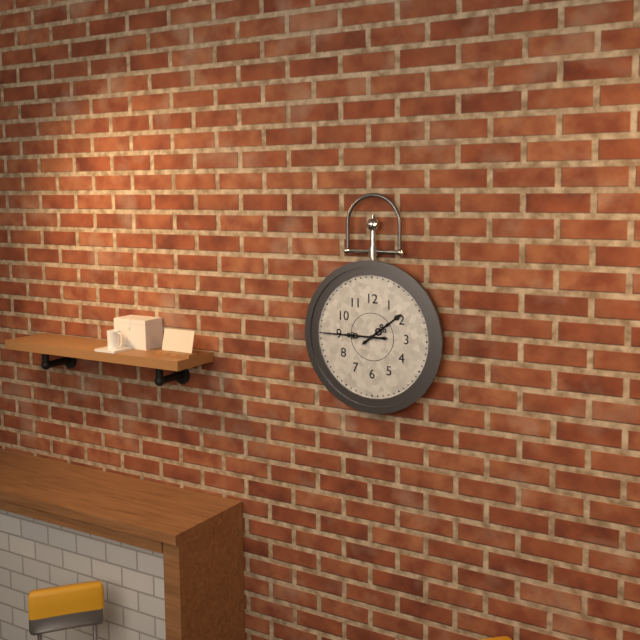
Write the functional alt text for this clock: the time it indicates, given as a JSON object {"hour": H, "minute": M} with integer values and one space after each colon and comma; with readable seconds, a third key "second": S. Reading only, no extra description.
{"hour": 1, "minute": 45}
